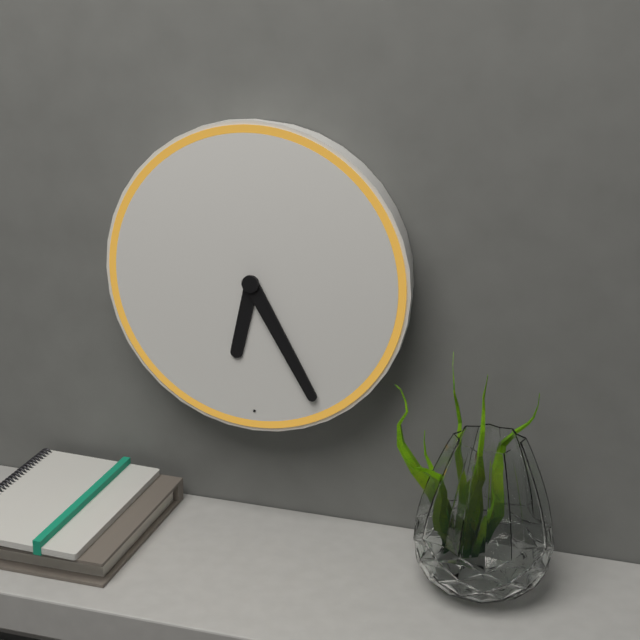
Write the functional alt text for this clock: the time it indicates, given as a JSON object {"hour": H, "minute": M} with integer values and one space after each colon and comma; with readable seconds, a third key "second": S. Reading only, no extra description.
{"hour": 6, "minute": 25}
